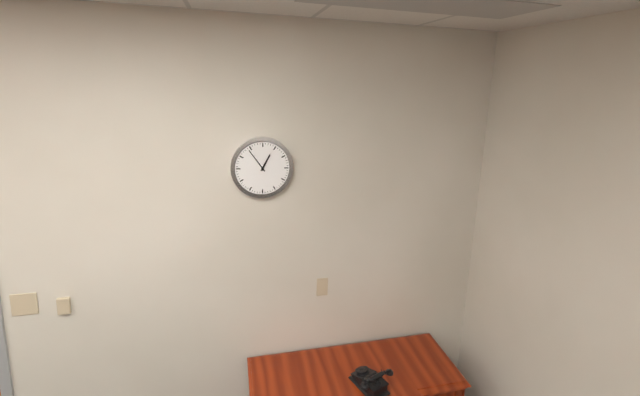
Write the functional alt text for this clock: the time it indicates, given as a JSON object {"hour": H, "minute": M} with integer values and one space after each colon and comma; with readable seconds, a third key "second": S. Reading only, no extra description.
{"hour": 12, "minute": 54}
